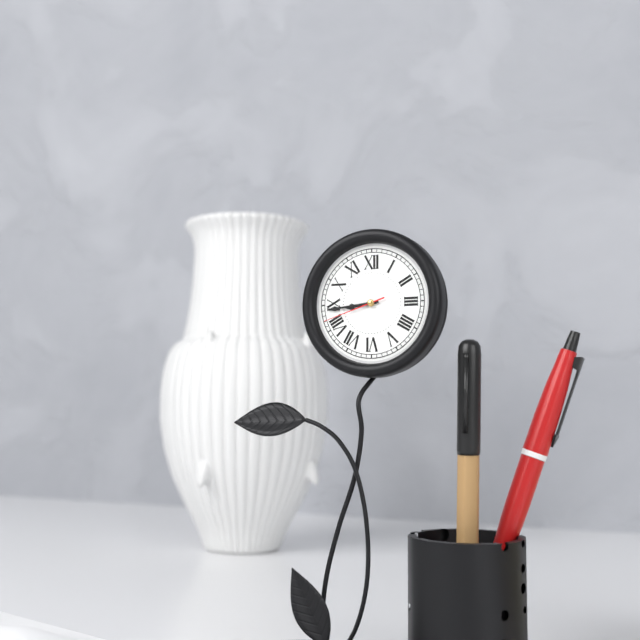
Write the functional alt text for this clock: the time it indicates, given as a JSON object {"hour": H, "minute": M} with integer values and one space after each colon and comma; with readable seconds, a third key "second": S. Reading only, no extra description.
{"hour": 8, "minute": 44, "second": 42}
